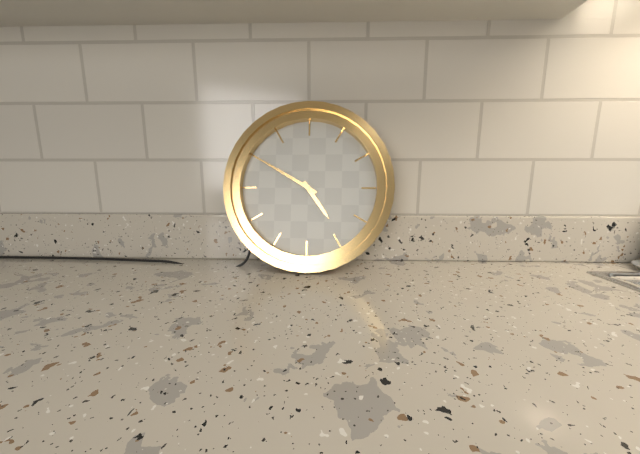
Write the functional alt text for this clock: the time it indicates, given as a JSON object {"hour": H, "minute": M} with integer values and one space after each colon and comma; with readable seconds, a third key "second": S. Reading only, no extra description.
{"hour": 4, "minute": 50}
